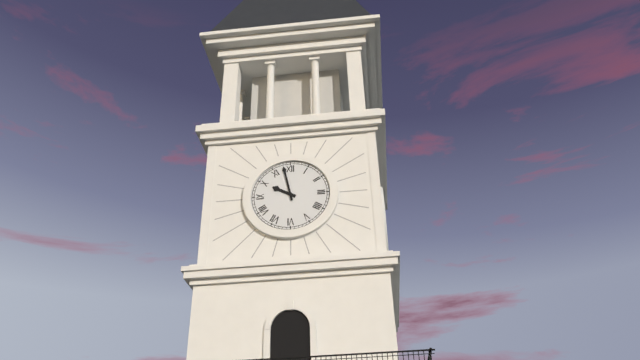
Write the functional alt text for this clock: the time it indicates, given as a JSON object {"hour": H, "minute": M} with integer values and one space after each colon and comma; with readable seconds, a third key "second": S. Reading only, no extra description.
{"hour": 9, "minute": 58}
